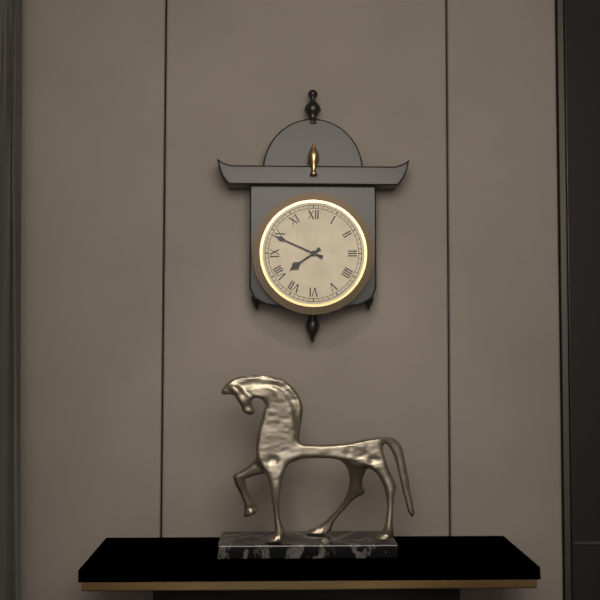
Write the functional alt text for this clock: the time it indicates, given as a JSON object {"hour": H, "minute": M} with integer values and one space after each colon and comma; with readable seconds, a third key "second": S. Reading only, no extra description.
{"hour": 7, "minute": 49}
